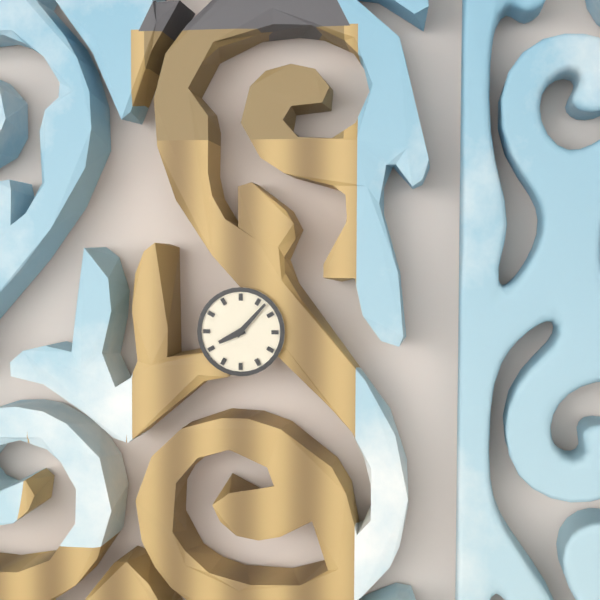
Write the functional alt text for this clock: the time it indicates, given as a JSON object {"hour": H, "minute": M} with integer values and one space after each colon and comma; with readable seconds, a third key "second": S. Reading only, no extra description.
{"hour": 8, "minute": 7}
